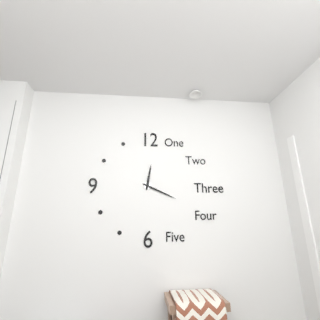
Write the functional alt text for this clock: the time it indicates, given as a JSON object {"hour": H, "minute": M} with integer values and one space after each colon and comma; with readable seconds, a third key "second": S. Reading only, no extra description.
{"hour": 12, "minute": 19}
